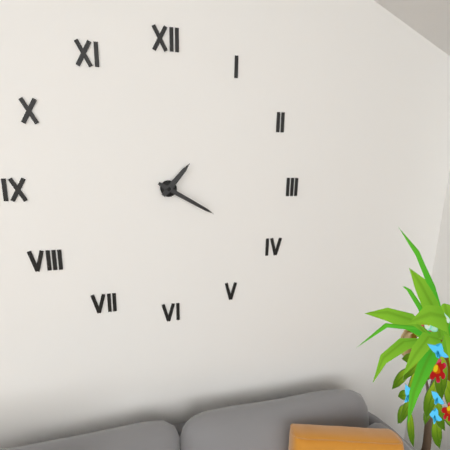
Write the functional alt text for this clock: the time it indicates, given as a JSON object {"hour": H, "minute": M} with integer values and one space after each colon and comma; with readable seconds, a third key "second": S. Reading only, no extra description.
{"hour": 1, "minute": 20}
